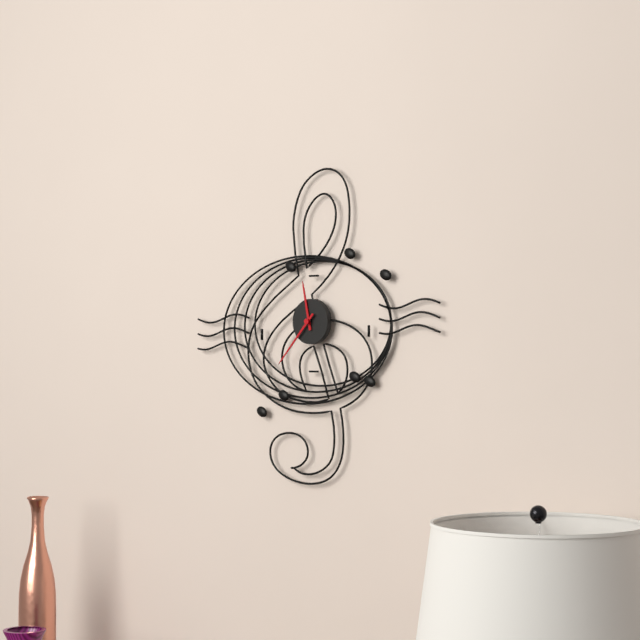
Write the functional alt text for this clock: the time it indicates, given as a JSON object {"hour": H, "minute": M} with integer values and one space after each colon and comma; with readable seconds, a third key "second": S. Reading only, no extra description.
{"hour": 11, "minute": 37}
